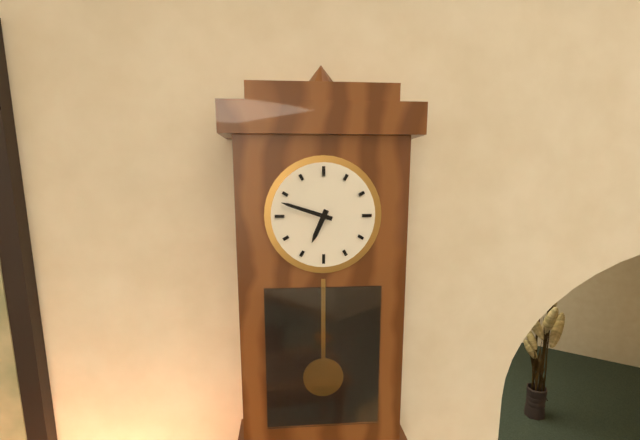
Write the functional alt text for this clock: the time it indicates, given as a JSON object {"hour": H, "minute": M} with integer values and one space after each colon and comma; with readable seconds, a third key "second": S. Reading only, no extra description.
{"hour": 6, "minute": 48}
